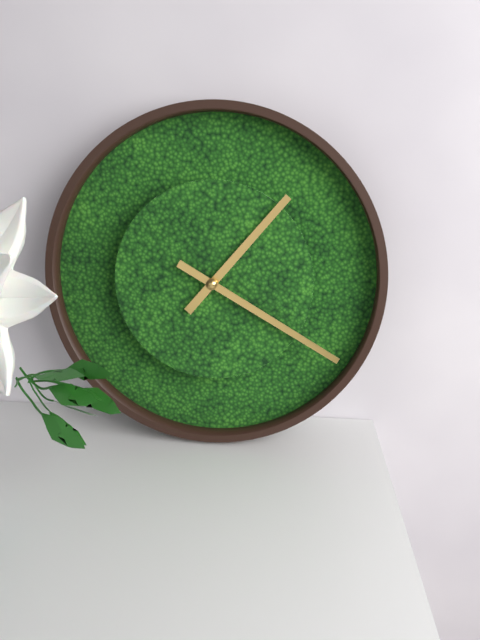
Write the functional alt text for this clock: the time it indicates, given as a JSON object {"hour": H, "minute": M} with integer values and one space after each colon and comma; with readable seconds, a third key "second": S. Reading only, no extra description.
{"hour": 1, "minute": 20}
